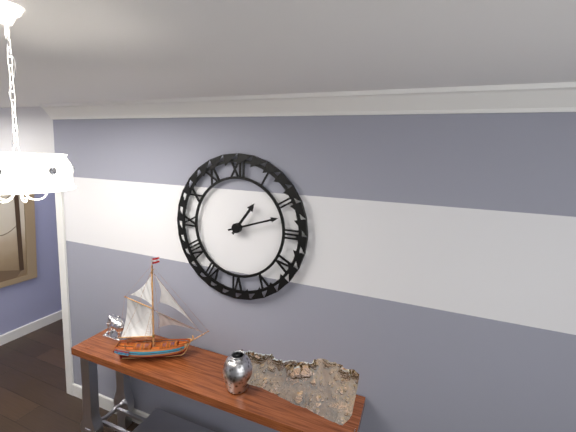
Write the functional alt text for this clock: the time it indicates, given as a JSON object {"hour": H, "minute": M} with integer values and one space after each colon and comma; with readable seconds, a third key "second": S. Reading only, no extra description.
{"hour": 1, "minute": 12}
